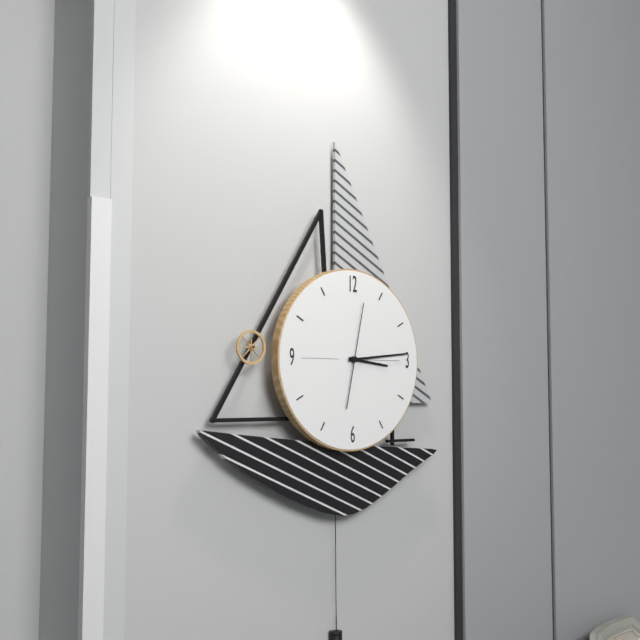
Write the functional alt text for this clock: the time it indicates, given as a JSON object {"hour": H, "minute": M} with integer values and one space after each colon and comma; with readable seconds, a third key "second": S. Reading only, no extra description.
{"hour": 3, "minute": 14, "second": 2}
